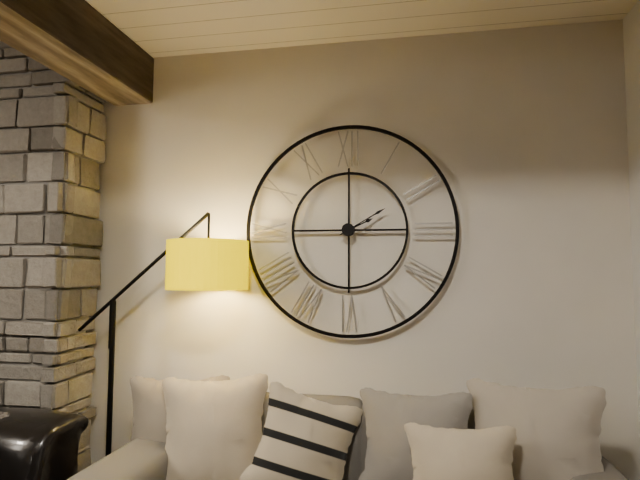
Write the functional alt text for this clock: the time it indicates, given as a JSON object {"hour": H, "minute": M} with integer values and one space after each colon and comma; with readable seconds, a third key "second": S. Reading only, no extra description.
{"hour": 2, "minute": 10}
